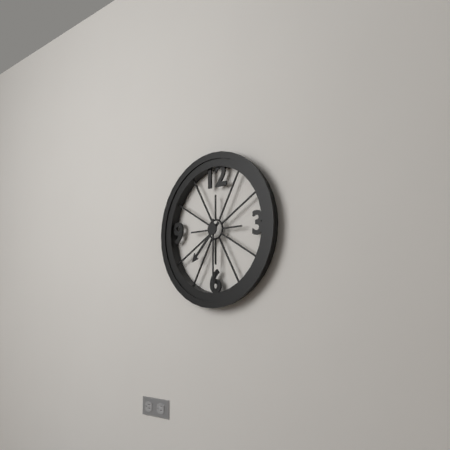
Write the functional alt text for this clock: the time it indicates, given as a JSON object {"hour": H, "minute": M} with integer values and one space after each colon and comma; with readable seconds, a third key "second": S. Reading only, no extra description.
{"hour": 7, "minute": 30}
